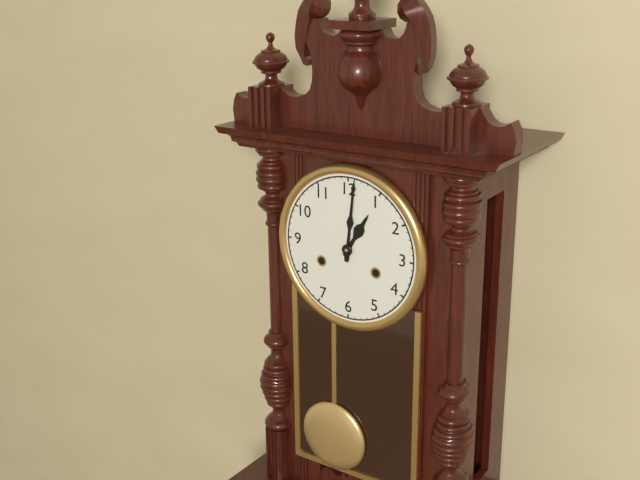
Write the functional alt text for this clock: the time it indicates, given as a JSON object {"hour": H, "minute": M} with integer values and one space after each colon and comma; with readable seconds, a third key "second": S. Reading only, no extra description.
{"hour": 1, "minute": 1}
